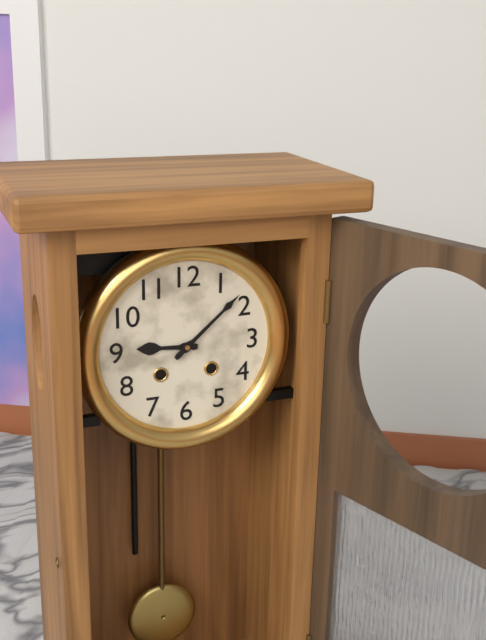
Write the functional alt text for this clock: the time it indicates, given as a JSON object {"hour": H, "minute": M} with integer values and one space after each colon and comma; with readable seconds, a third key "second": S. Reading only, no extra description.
{"hour": 9, "minute": 8}
